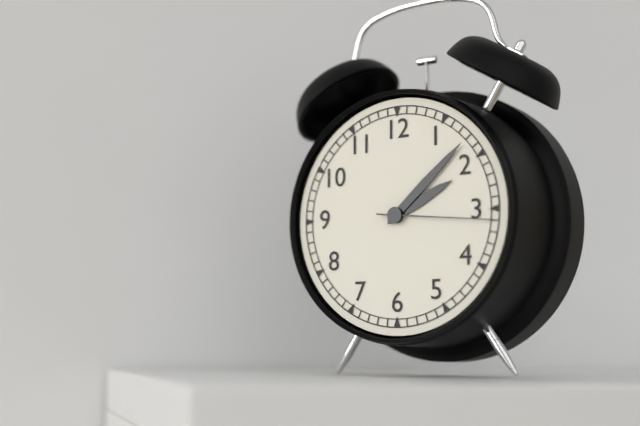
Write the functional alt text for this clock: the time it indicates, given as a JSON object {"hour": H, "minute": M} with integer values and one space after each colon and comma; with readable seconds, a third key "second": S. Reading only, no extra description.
{"hour": 2, "minute": 8, "second": 16}
